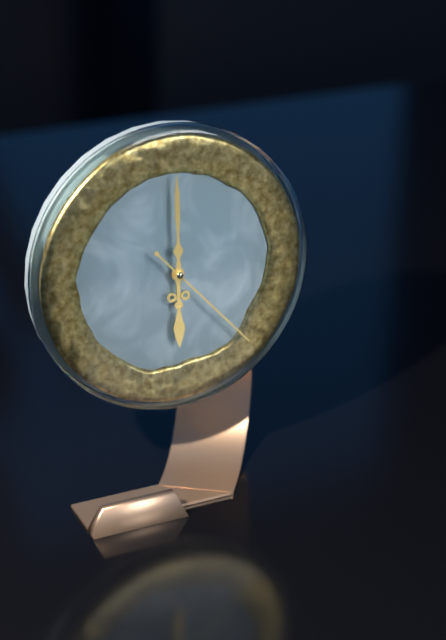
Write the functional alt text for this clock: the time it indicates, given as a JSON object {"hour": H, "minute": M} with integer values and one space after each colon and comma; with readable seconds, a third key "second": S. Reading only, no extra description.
{"hour": 6, "minute": 0, "second": 23}
